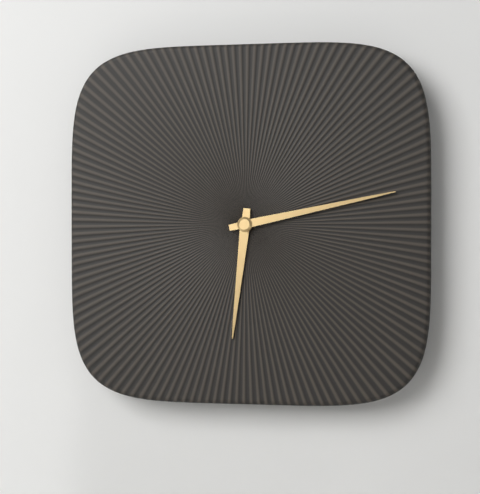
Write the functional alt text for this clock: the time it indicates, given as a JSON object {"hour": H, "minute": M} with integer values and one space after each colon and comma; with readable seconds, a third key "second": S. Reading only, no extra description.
{"hour": 6, "minute": 13}
